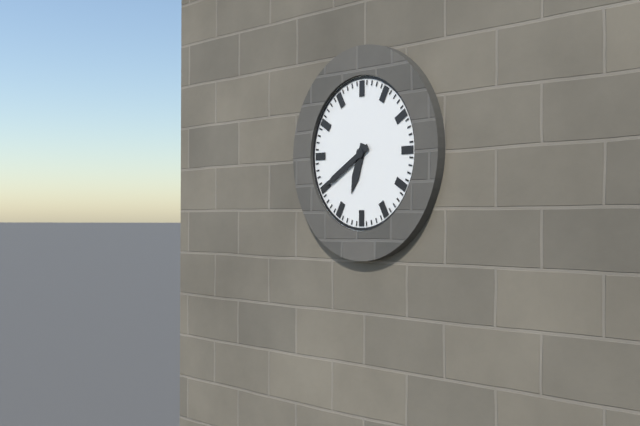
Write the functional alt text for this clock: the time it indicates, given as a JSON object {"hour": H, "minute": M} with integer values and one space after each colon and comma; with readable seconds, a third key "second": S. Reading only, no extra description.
{"hour": 6, "minute": 40}
